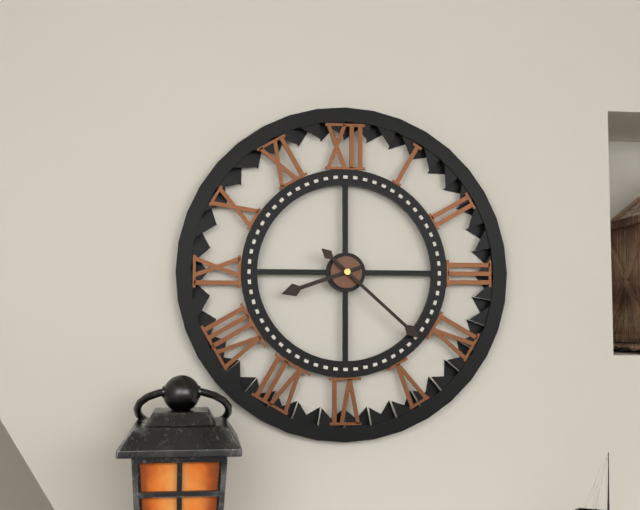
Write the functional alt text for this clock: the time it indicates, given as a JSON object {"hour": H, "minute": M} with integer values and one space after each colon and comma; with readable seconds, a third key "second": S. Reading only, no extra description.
{"hour": 8, "minute": 22}
